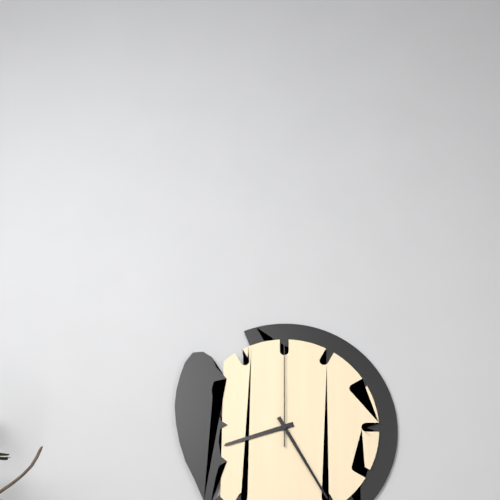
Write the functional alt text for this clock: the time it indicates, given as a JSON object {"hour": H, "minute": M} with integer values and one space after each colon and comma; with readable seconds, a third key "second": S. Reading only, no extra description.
{"hour": 8, "minute": 25, "second": 0}
